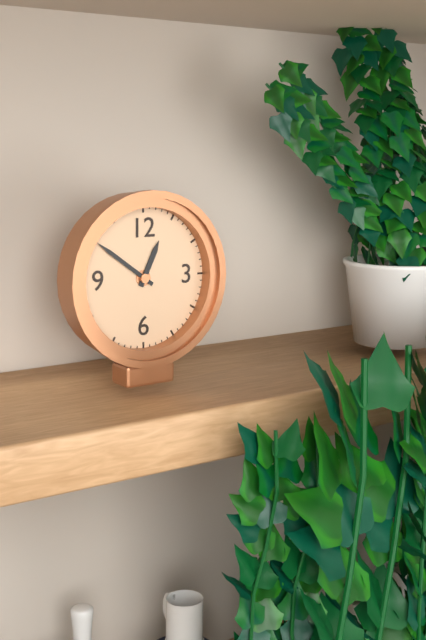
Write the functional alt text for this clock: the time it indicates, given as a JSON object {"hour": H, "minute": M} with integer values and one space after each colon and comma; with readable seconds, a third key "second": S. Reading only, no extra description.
{"hour": 12, "minute": 51}
